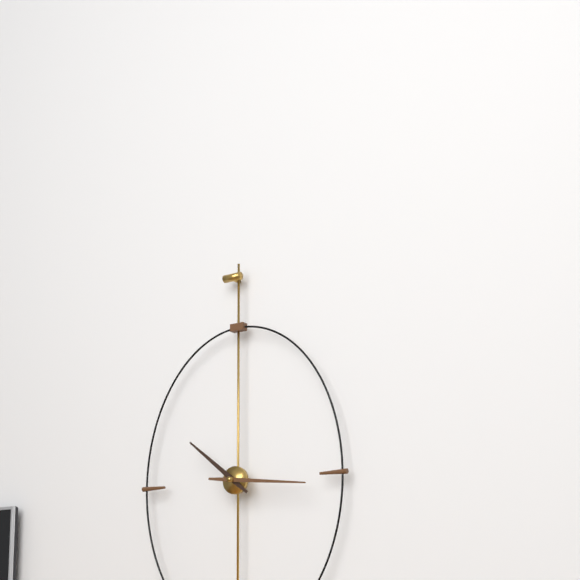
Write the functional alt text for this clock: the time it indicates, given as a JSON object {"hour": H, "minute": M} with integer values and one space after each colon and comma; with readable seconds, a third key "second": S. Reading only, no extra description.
{"hour": 10, "minute": 16}
